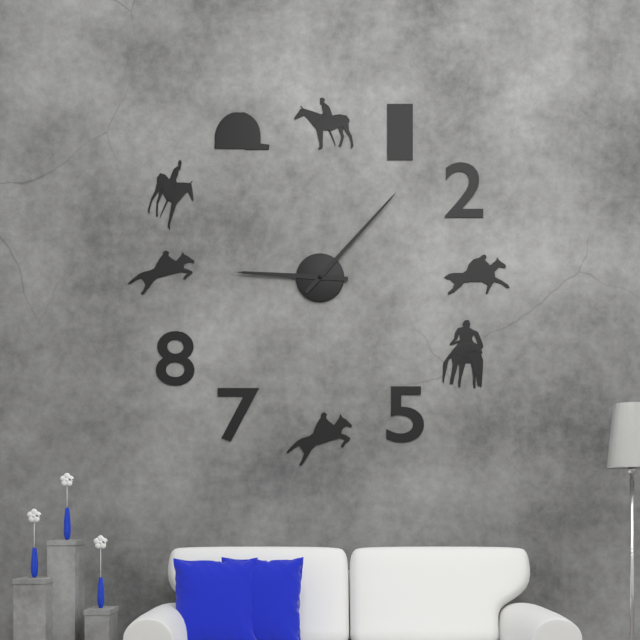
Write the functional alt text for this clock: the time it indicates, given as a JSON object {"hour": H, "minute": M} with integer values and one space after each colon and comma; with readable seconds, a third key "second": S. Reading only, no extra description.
{"hour": 9, "minute": 7}
